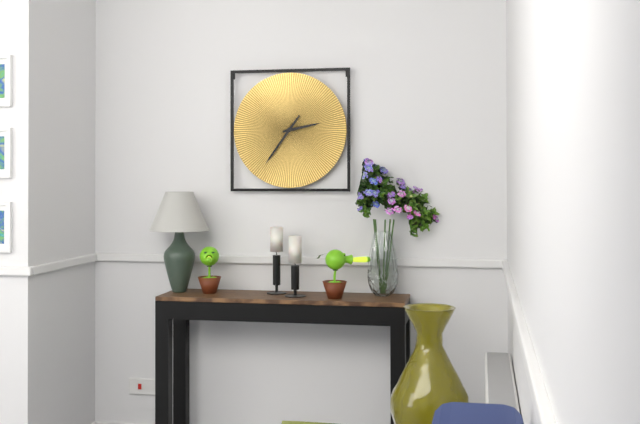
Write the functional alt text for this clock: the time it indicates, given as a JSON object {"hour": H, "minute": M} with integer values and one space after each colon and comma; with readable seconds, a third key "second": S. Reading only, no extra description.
{"hour": 2, "minute": 36}
